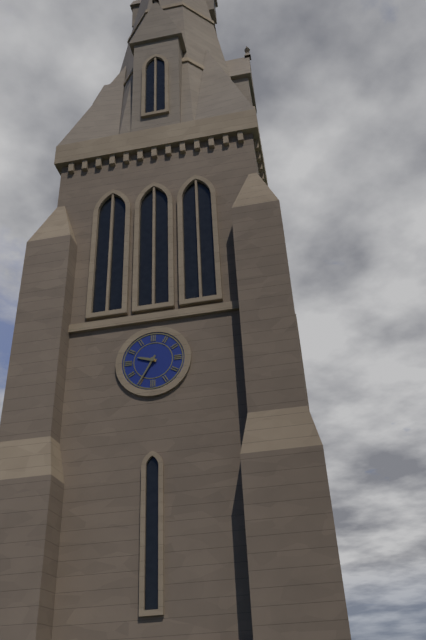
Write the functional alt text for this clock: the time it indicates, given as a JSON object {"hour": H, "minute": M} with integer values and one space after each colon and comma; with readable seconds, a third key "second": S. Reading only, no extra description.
{"hour": 9, "minute": 35}
